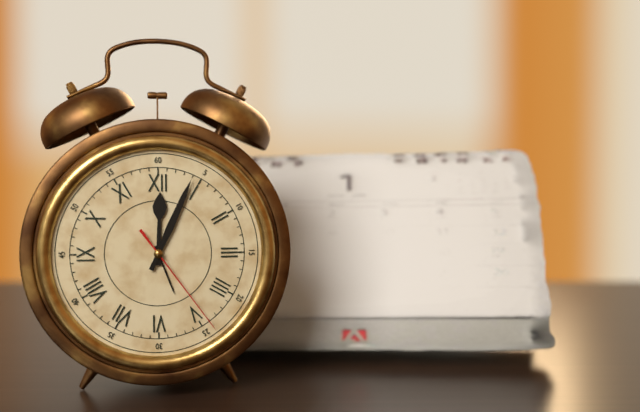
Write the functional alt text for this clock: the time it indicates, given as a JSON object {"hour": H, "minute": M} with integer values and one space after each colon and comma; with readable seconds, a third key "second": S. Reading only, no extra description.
{"hour": 12, "minute": 4, "second": 24}
